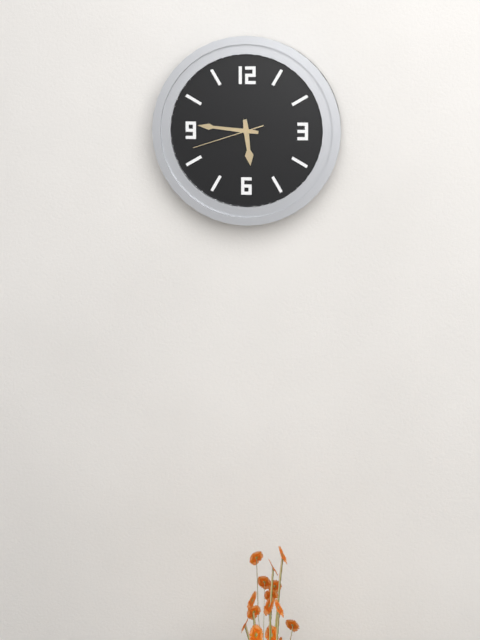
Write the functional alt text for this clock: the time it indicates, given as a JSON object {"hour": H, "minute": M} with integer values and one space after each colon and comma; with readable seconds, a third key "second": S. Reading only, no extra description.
{"hour": 5, "minute": 46, "second": 42}
